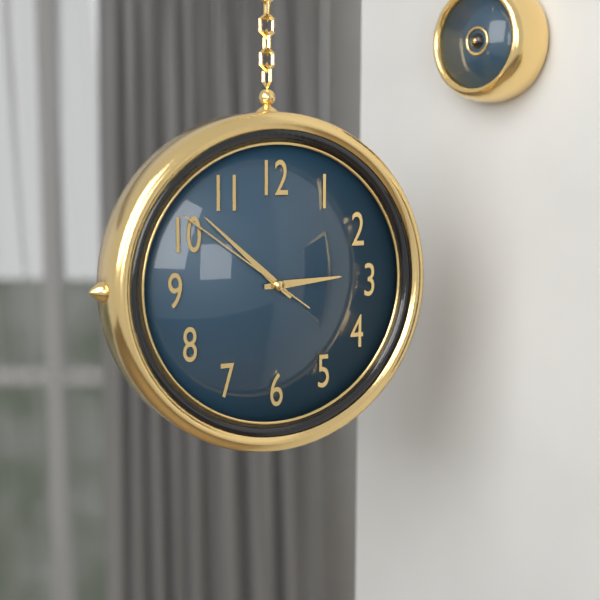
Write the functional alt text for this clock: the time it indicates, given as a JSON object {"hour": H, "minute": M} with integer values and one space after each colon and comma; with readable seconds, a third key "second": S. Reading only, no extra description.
{"hour": 2, "minute": 52, "second": 51}
